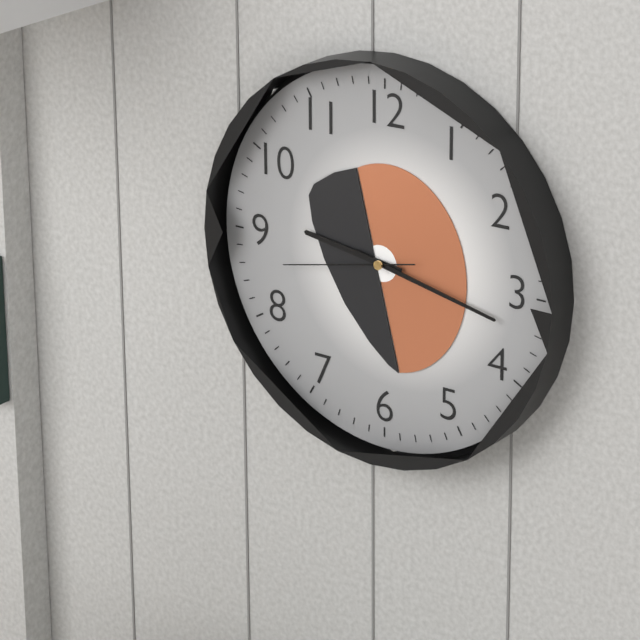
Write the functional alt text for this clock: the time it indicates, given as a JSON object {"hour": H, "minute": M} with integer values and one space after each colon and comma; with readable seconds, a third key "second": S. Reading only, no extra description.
{"hour": 9, "minute": 17, "second": 43}
